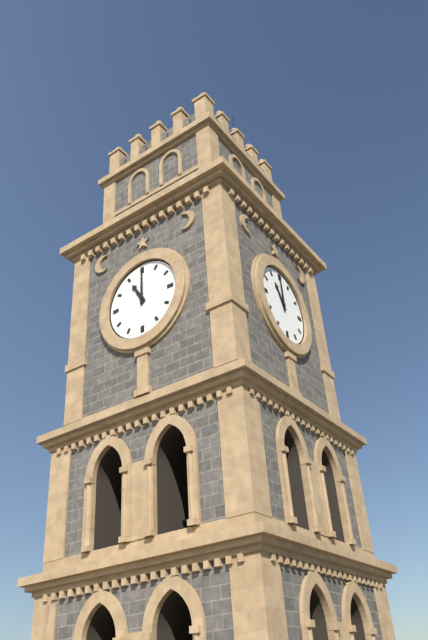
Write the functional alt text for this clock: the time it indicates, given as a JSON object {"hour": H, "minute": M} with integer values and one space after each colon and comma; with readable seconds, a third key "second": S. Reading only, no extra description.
{"hour": 11, "minute": 0}
